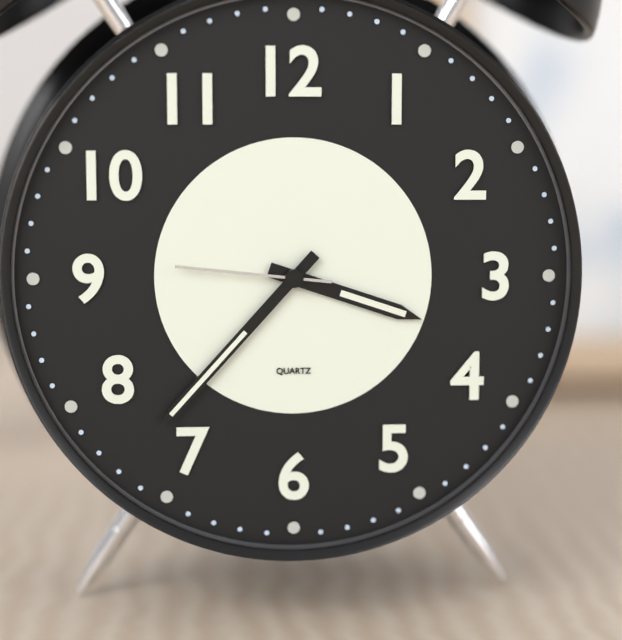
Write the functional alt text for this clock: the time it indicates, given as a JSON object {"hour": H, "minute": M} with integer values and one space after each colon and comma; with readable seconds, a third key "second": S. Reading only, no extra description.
{"hour": 3, "minute": 37, "second": 46}
